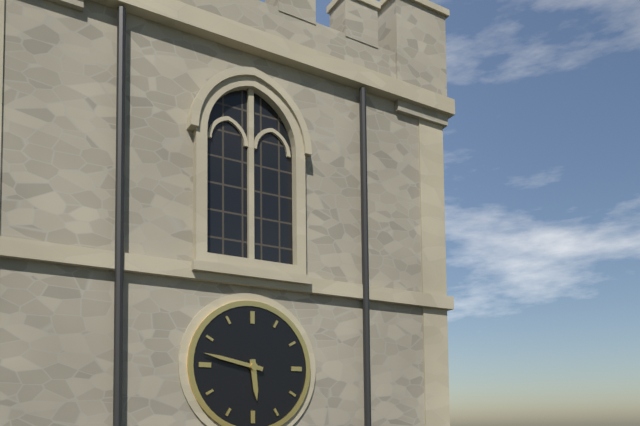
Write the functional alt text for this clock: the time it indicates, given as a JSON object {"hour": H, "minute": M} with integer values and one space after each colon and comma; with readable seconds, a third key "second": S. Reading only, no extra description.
{"hour": 5, "minute": 47}
